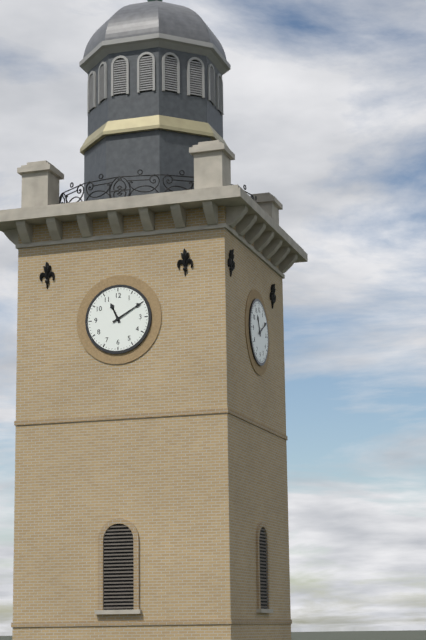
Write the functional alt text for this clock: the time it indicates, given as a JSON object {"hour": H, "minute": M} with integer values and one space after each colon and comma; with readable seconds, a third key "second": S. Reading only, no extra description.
{"hour": 11, "minute": 10}
